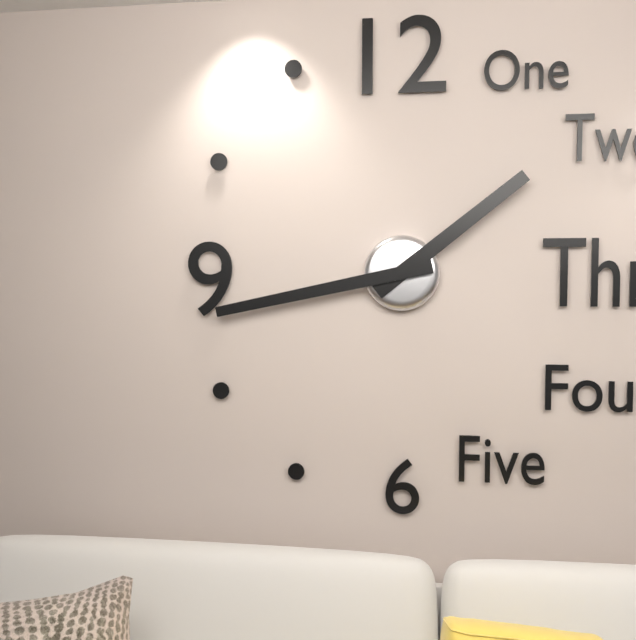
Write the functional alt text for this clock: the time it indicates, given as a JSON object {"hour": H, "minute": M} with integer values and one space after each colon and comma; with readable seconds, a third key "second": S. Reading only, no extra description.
{"hour": 1, "minute": 43}
